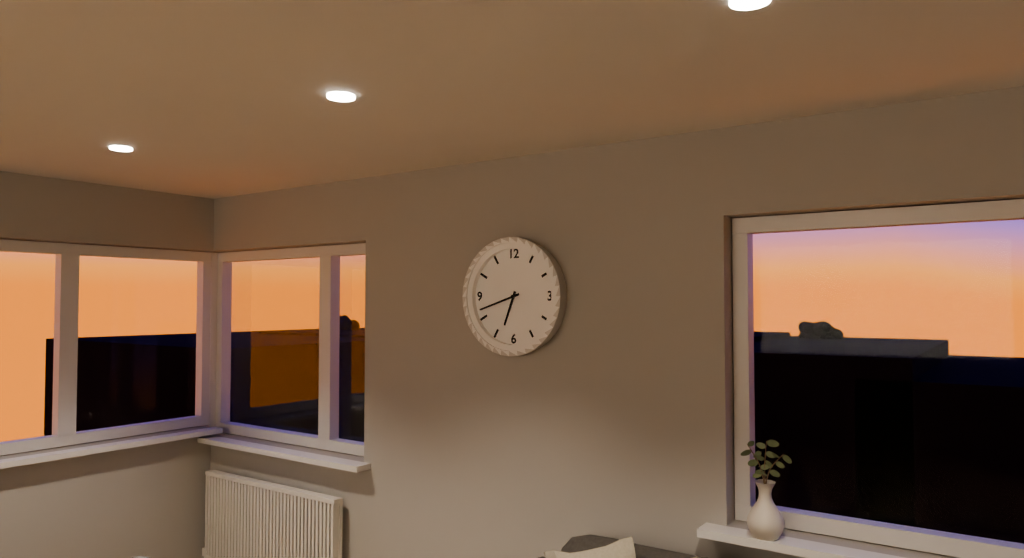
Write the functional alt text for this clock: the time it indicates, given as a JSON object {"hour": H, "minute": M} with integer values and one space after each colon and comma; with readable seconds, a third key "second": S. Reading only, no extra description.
{"hour": 6, "minute": 42}
